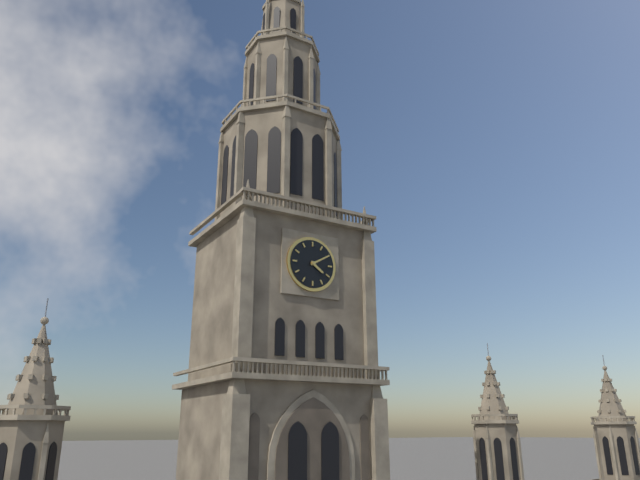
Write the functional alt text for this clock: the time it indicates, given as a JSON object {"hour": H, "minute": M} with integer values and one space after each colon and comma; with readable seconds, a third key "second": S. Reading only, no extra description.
{"hour": 4, "minute": 10}
